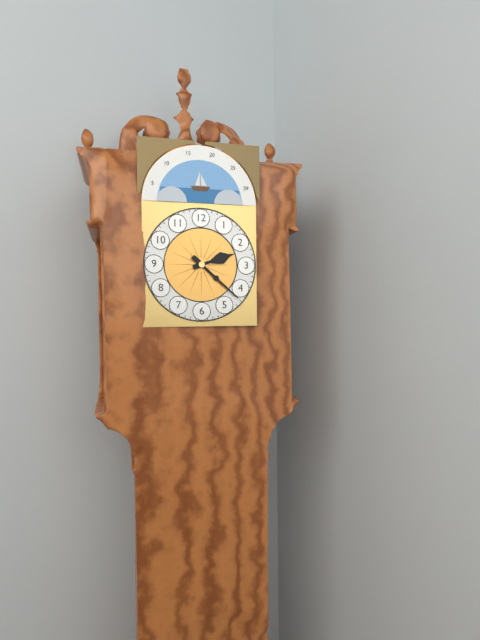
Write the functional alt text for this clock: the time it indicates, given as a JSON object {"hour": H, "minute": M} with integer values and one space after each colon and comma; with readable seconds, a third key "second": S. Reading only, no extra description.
{"hour": 2, "minute": 22}
